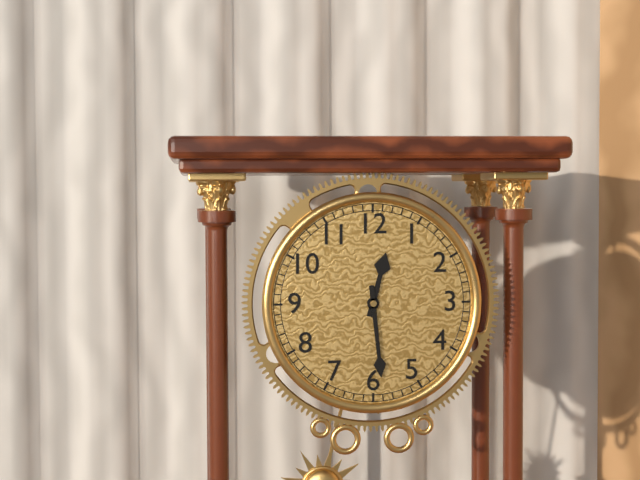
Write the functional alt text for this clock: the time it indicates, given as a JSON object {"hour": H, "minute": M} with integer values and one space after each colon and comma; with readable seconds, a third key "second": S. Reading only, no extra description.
{"hour": 12, "minute": 29}
